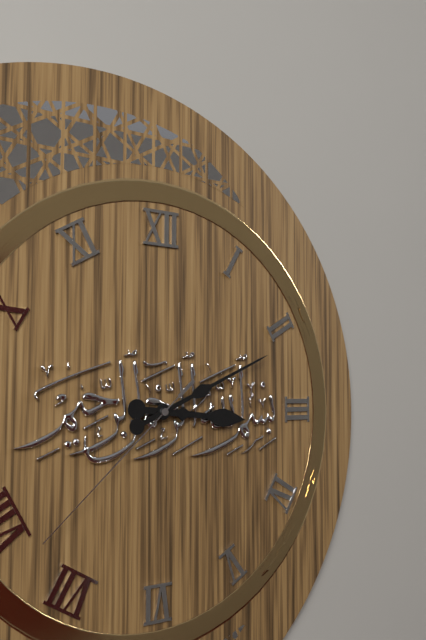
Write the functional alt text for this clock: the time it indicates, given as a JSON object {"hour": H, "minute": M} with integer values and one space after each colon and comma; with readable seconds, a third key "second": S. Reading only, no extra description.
{"hour": 3, "minute": 11, "second": 38}
